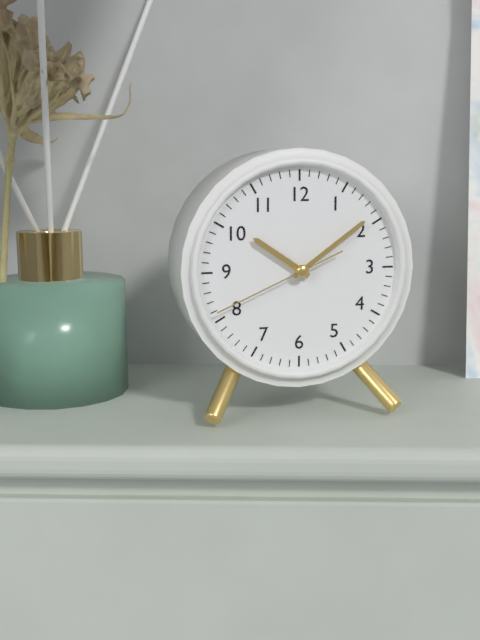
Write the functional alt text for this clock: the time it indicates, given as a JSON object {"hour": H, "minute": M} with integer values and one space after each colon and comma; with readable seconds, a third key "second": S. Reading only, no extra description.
{"hour": 10, "minute": 9, "second": 41}
